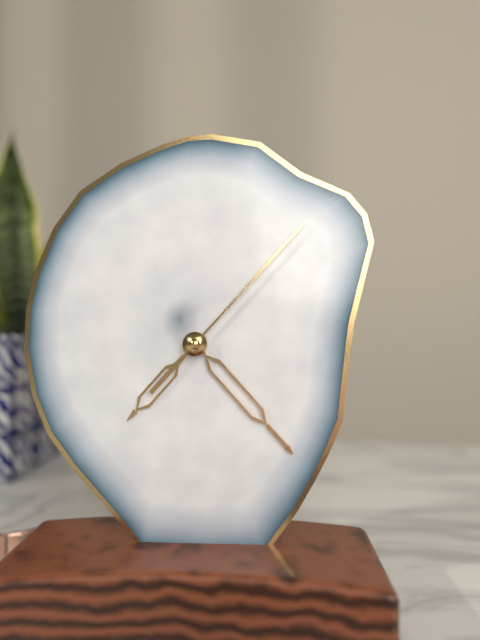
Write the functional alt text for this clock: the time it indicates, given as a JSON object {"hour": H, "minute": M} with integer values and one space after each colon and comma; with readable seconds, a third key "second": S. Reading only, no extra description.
{"hour": 7, "minute": 23, "second": 7}
